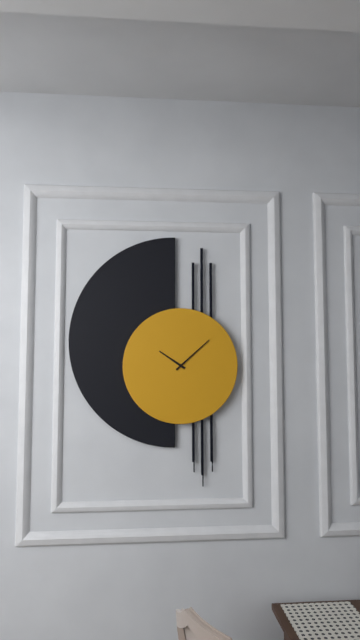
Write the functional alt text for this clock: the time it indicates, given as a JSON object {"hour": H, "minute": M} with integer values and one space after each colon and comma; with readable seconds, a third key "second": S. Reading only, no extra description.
{"hour": 10, "minute": 8}
